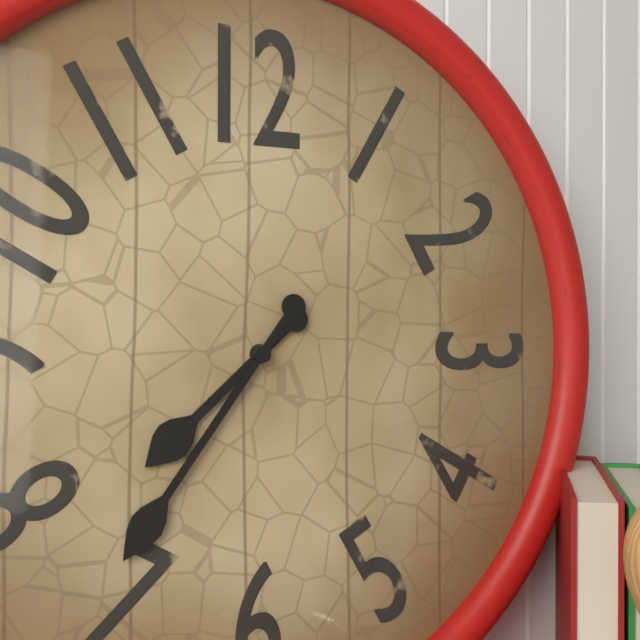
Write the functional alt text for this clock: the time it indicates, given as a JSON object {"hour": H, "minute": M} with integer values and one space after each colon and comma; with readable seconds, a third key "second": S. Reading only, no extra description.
{"hour": 7, "minute": 36}
